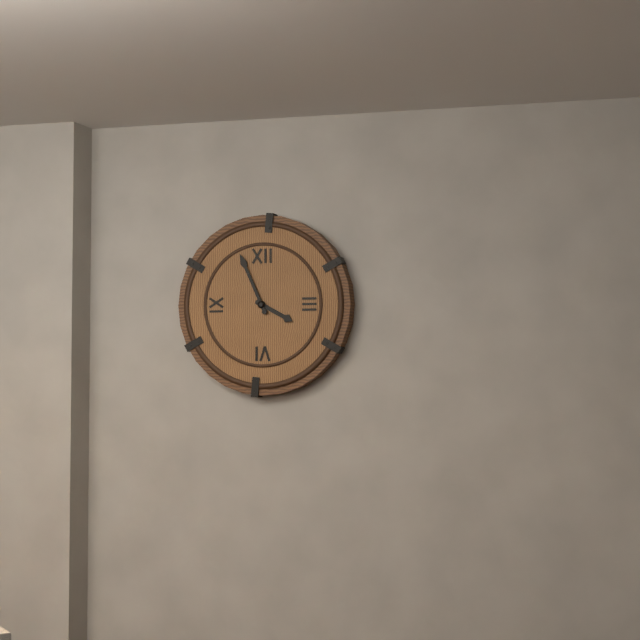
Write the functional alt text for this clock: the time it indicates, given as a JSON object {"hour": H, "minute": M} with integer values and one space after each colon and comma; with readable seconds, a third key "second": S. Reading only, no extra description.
{"hour": 3, "minute": 56}
